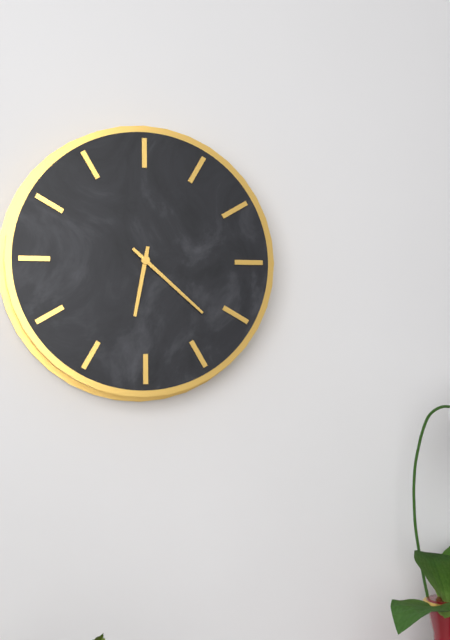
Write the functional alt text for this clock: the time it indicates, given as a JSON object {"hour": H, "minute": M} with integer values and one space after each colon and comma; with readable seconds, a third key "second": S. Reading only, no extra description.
{"hour": 6, "minute": 22}
